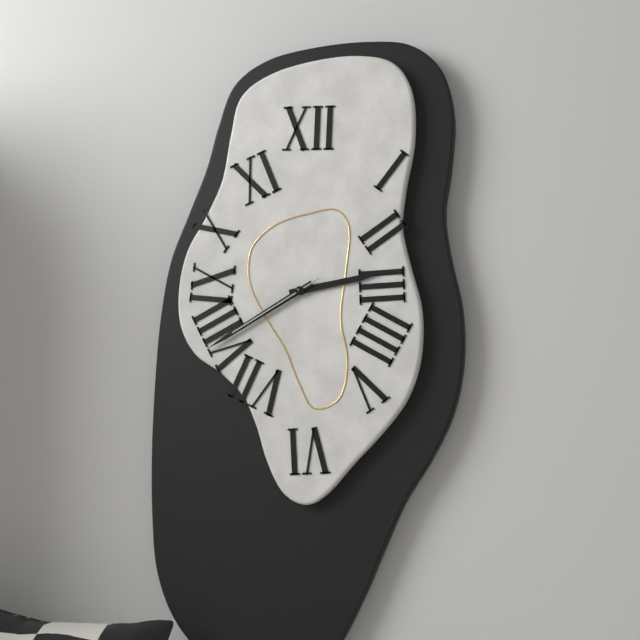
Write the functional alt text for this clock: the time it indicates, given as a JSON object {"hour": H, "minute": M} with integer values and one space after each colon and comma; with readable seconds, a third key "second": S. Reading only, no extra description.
{"hour": 2, "minute": 40, "second": 40}
